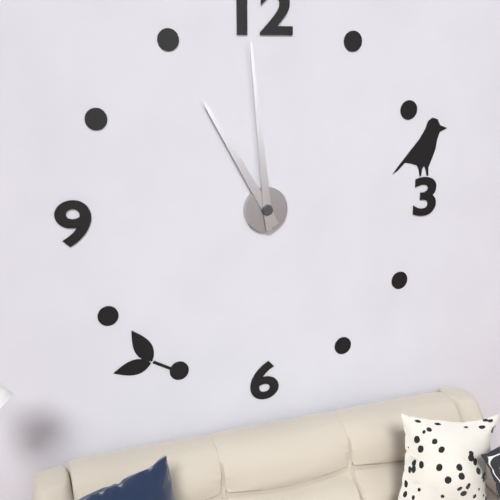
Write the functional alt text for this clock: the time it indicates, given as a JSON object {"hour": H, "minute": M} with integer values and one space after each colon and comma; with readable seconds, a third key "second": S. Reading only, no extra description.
{"hour": 10, "minute": 59}
